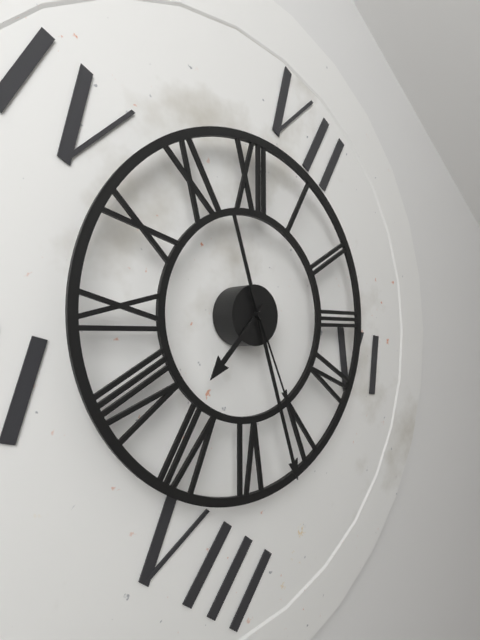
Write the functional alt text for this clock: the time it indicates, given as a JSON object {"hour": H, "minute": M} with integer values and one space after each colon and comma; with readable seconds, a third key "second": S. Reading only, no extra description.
{"hour": 7, "minute": 27, "second": 26}
